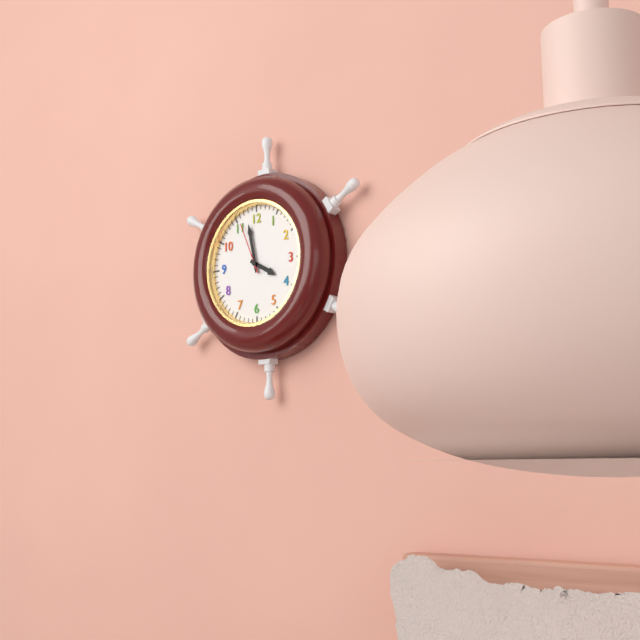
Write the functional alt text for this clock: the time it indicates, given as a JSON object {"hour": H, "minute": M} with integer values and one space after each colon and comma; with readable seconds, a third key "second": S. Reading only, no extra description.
{"hour": 3, "minute": 58, "second": 56}
